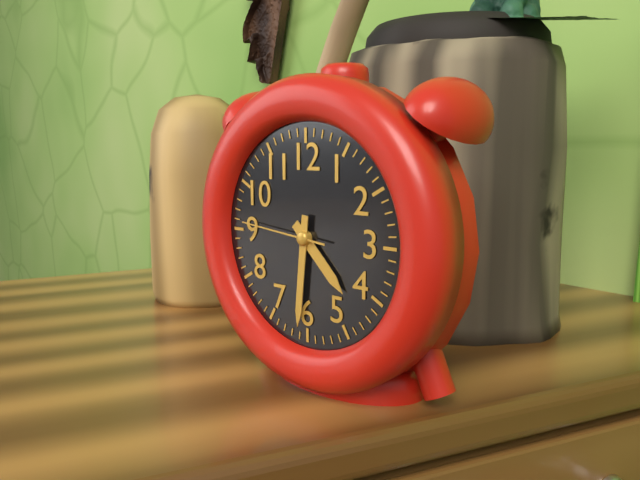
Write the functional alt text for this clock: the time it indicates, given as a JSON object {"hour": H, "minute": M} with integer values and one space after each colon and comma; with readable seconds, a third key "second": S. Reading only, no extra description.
{"hour": 4, "minute": 31, "second": 46}
